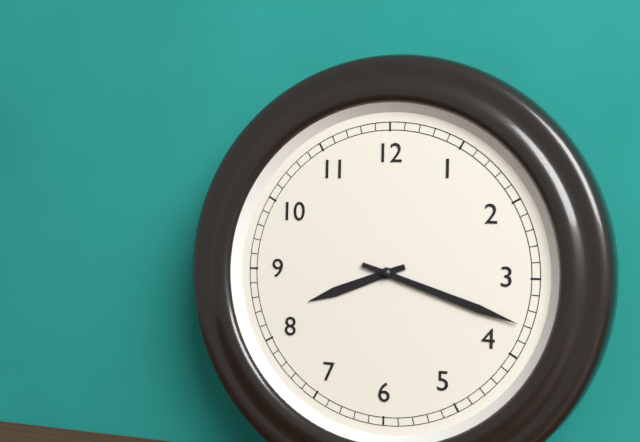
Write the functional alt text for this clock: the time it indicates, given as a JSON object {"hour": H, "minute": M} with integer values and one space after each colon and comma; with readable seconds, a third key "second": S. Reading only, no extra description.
{"hour": 8, "minute": 18}
